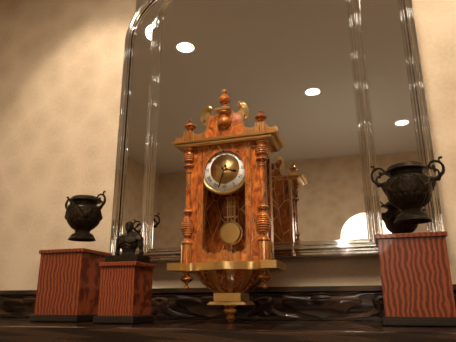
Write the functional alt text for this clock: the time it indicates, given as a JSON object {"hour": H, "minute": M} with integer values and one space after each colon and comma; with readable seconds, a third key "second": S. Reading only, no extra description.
{"hour": 3, "minute": 33}
